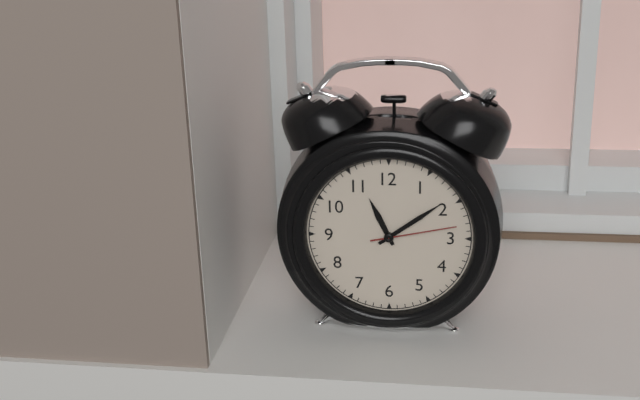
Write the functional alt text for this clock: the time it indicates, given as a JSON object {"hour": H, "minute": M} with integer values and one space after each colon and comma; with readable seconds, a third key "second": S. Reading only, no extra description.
{"hour": 11, "minute": 9, "second": 13}
